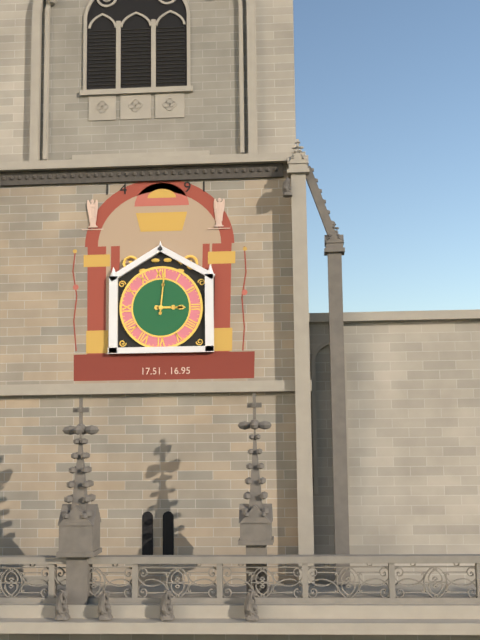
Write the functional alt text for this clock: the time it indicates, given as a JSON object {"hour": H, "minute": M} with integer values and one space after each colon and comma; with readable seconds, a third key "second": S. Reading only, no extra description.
{"hour": 3, "minute": 1}
